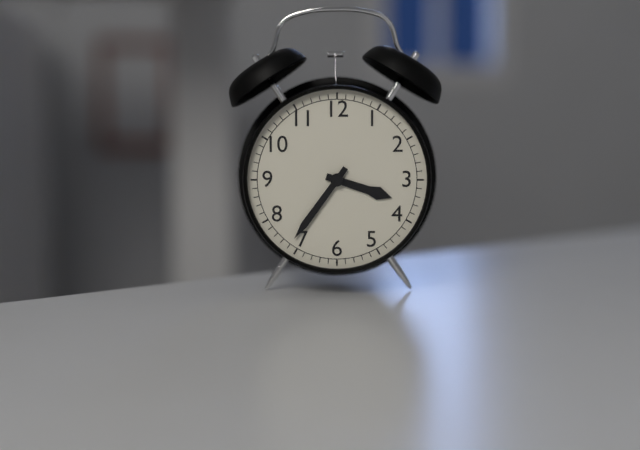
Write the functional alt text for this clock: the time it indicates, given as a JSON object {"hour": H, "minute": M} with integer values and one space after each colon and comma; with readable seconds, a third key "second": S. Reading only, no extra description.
{"hour": 3, "minute": 36}
